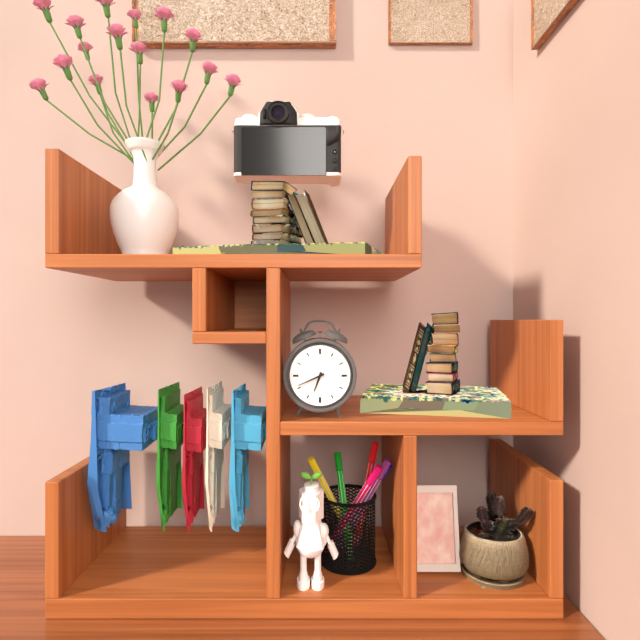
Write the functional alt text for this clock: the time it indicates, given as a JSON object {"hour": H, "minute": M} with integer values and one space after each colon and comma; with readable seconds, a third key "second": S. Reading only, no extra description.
{"hour": 6, "minute": 41}
